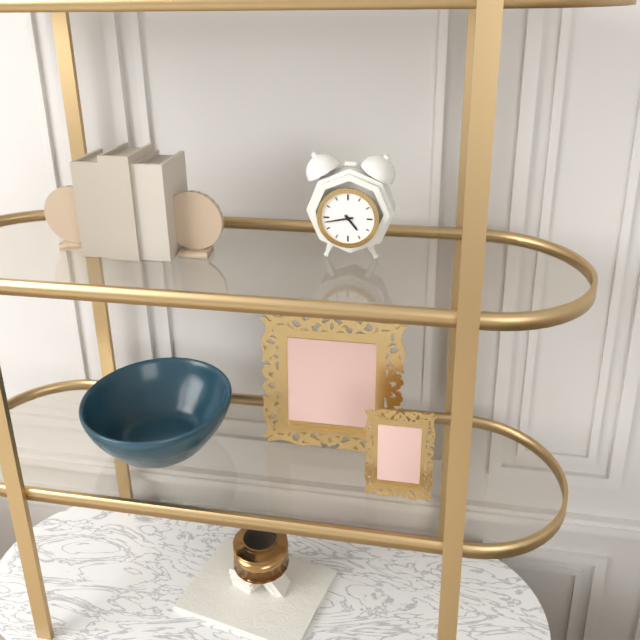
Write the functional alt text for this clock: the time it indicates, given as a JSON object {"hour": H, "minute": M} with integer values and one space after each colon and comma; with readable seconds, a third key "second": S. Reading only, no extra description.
{"hour": 4, "minute": 43}
